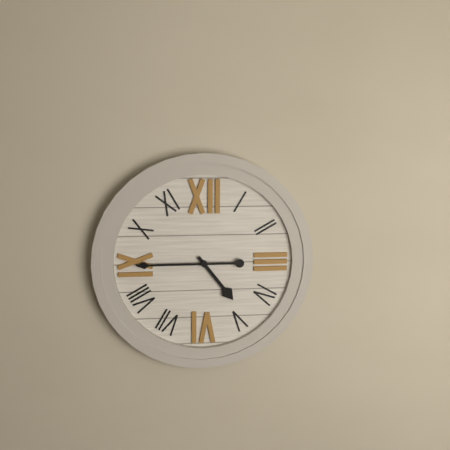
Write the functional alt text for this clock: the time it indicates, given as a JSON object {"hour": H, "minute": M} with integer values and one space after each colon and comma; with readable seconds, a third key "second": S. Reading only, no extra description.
{"hour": 4, "minute": 45}
